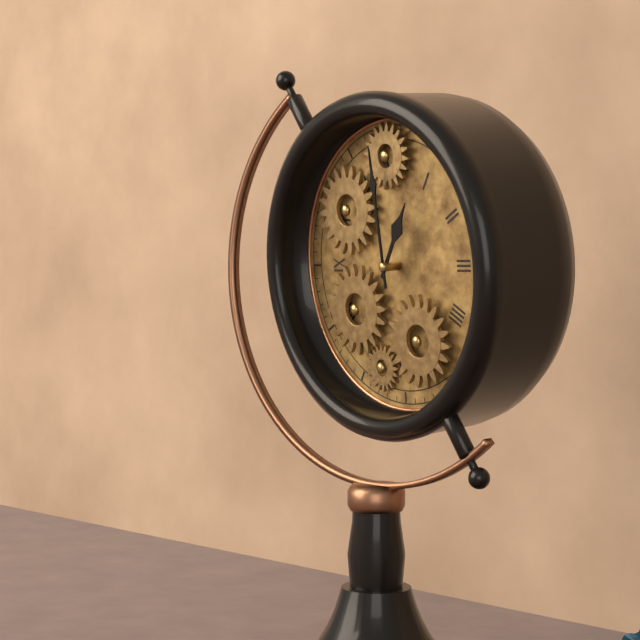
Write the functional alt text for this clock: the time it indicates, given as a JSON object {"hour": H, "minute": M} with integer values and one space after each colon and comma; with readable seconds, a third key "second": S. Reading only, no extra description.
{"hour": 12, "minute": 59}
